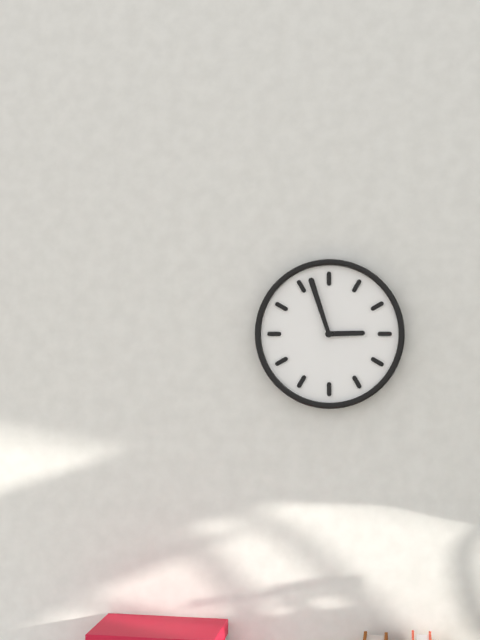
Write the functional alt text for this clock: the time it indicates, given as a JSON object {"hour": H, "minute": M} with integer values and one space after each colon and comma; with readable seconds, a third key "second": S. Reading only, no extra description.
{"hour": 2, "minute": 57}
